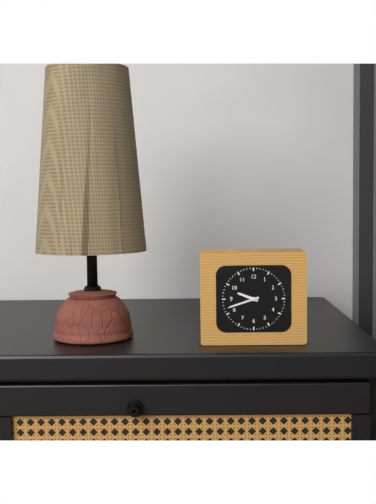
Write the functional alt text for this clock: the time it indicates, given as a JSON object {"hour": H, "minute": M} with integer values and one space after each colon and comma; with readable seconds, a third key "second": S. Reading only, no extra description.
{"hour": 9, "minute": 42}
